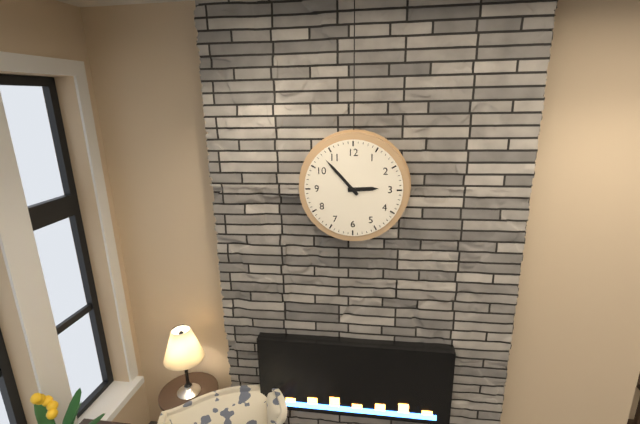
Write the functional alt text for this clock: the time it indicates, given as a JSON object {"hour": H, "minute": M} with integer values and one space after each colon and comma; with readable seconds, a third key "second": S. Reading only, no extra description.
{"hour": 2, "minute": 53}
